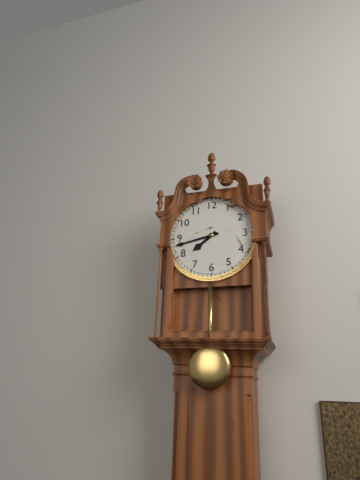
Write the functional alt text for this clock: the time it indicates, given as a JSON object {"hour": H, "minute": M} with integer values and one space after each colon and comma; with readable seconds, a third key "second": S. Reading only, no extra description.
{"hour": 7, "minute": 43}
